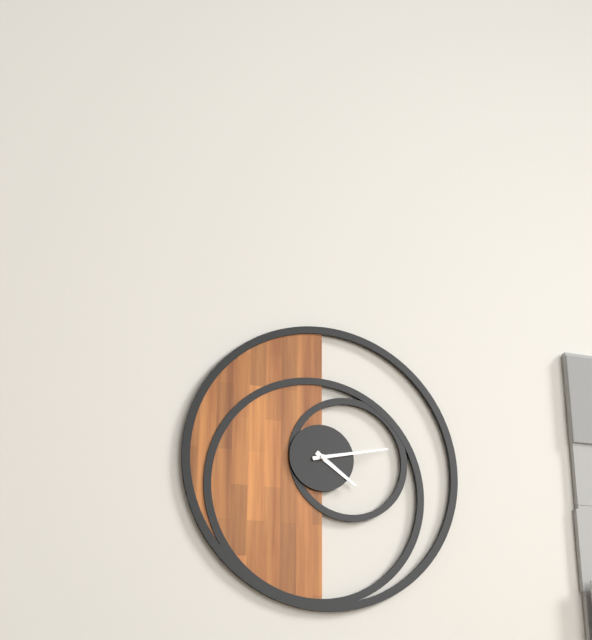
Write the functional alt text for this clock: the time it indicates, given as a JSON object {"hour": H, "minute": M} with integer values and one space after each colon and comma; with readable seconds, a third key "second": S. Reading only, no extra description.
{"hour": 4, "minute": 13}
